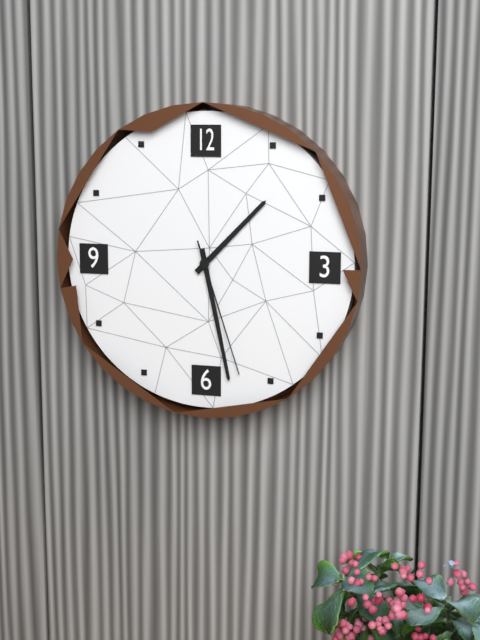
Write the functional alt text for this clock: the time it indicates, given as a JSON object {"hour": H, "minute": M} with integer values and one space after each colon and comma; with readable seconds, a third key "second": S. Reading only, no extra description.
{"hour": 1, "minute": 28, "second": 27}
